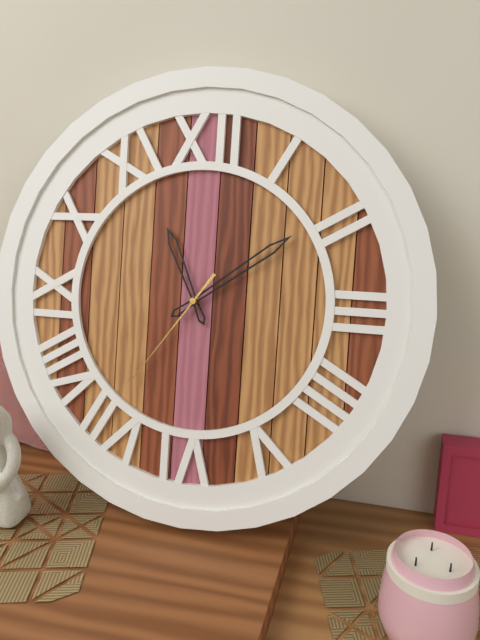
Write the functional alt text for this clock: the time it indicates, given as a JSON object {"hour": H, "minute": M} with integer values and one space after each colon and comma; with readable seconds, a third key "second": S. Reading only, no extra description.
{"hour": 11, "minute": 9, "second": 36}
